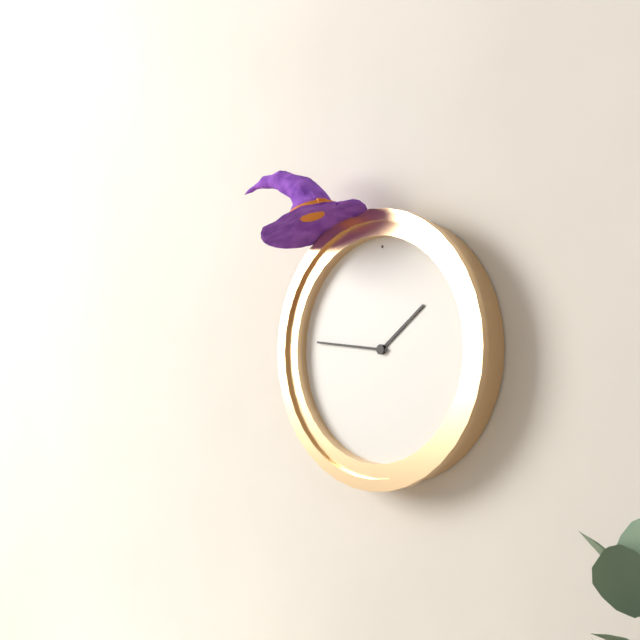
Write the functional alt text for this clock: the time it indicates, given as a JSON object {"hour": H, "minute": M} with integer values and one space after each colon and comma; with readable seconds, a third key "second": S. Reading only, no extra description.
{"hour": 1, "minute": 46}
